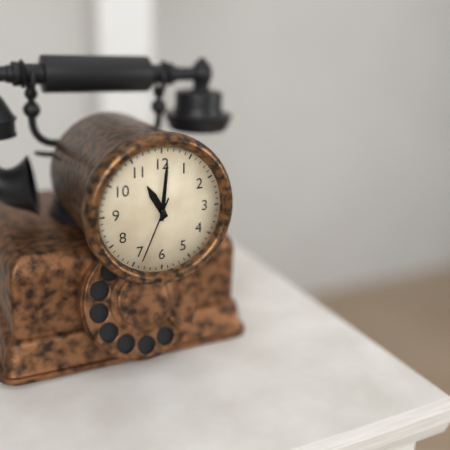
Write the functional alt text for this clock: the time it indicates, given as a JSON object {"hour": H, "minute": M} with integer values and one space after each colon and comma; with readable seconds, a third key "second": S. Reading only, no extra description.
{"hour": 11, "minute": 1, "second": 34}
